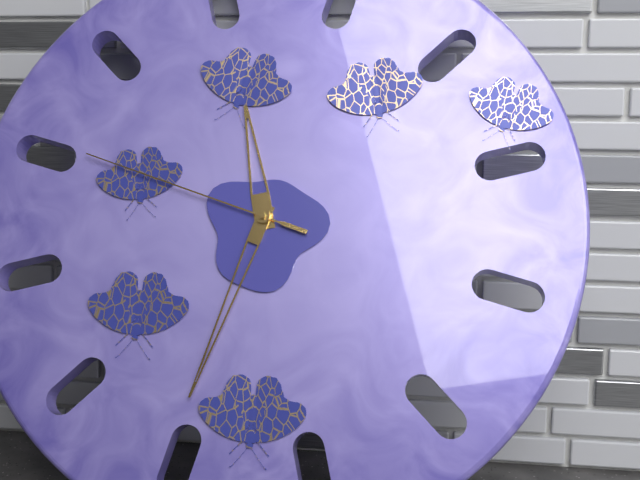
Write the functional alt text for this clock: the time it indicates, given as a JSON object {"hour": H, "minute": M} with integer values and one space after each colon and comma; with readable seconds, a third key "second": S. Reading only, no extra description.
{"hour": 11, "minute": 33, "second": 48}
